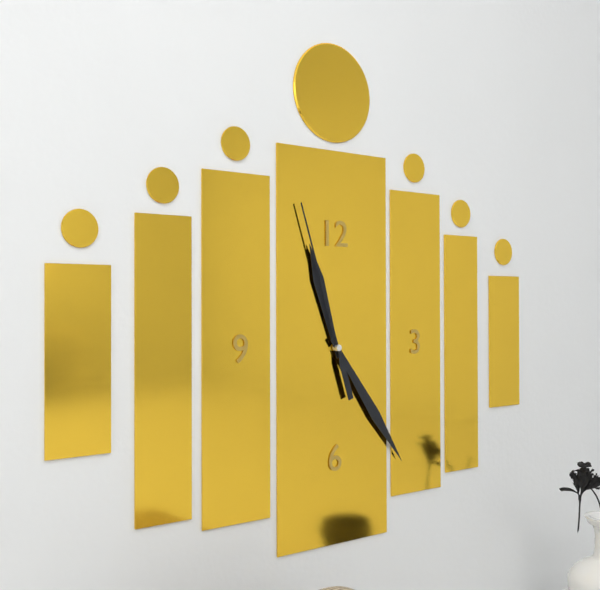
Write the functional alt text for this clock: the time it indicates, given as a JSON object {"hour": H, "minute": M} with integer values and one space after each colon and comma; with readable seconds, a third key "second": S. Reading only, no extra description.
{"hour": 11, "minute": 24, "second": 57}
